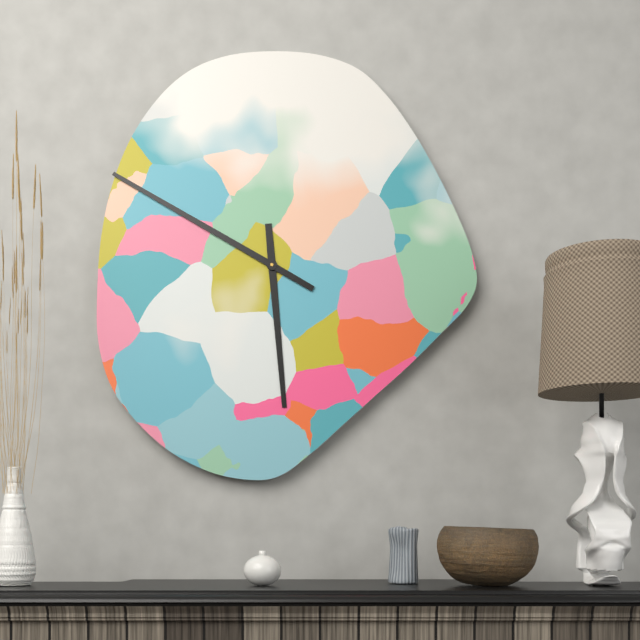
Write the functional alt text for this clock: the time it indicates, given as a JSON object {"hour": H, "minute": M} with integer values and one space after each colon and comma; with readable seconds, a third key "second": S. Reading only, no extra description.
{"hour": 5, "minute": 50}
